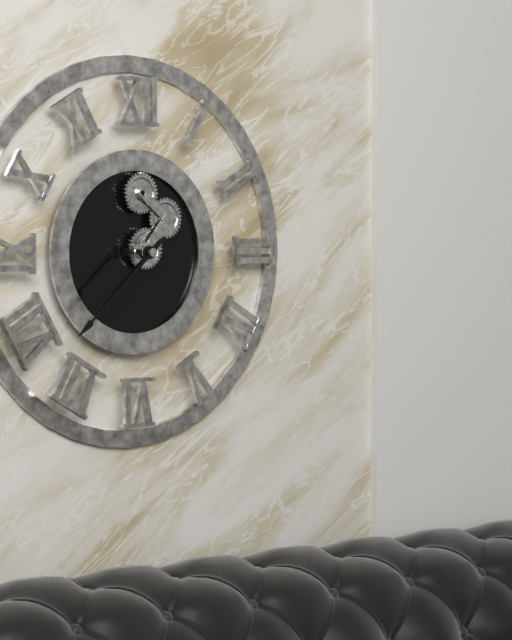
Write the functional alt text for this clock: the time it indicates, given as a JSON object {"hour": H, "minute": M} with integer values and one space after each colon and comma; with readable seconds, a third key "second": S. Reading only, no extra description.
{"hour": 7, "minute": 38}
